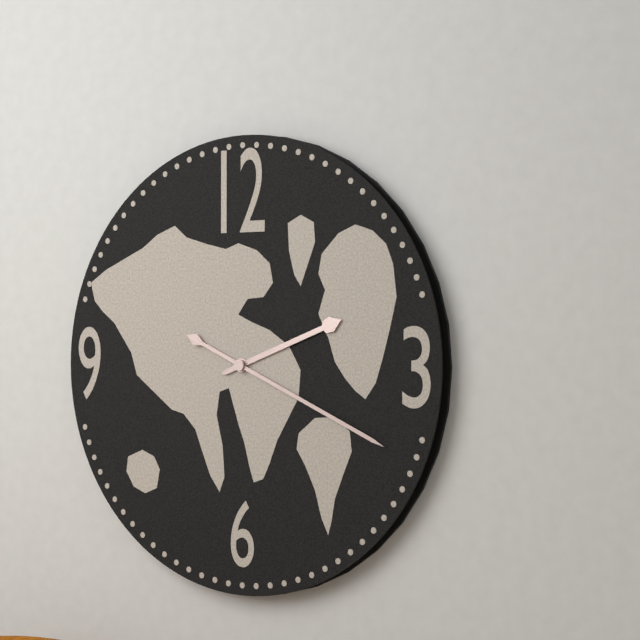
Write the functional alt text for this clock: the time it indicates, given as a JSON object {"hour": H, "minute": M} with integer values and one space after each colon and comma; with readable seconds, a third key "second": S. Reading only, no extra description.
{"hour": 2, "minute": 19}
